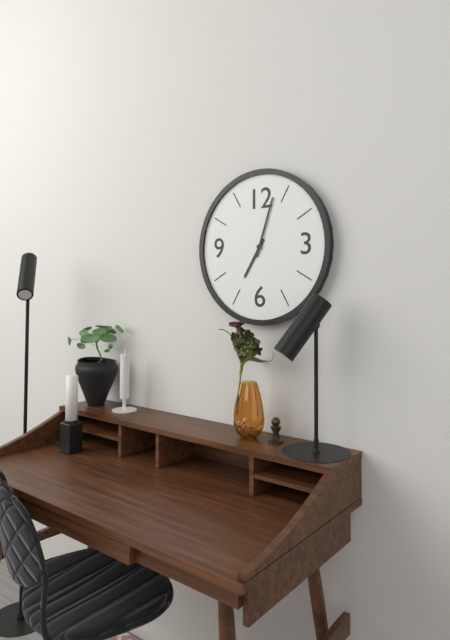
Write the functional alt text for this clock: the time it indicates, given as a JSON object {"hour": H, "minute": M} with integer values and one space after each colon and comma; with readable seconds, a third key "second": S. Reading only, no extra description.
{"hour": 7, "minute": 3}
